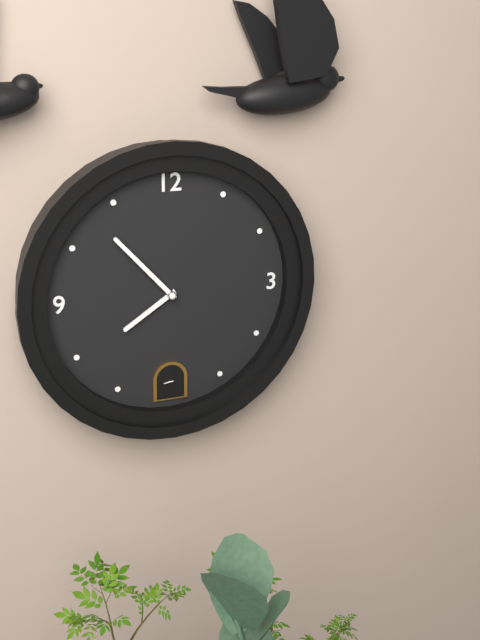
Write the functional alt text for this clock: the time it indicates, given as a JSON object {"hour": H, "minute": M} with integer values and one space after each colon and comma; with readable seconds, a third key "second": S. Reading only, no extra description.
{"hour": 7, "minute": 53}
